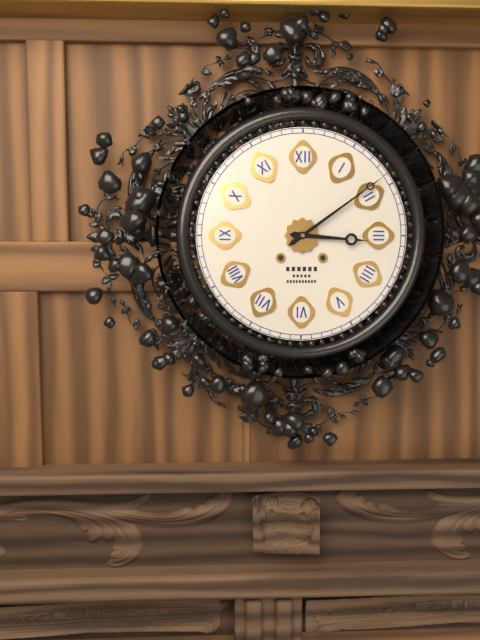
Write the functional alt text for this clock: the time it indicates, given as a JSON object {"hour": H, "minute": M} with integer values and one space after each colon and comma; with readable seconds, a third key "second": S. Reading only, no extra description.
{"hour": 3, "minute": 9}
